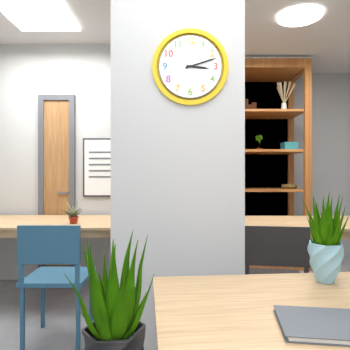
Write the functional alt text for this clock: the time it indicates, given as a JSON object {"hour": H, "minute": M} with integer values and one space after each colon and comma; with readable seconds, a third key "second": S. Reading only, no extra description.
{"hour": 3, "minute": 12}
